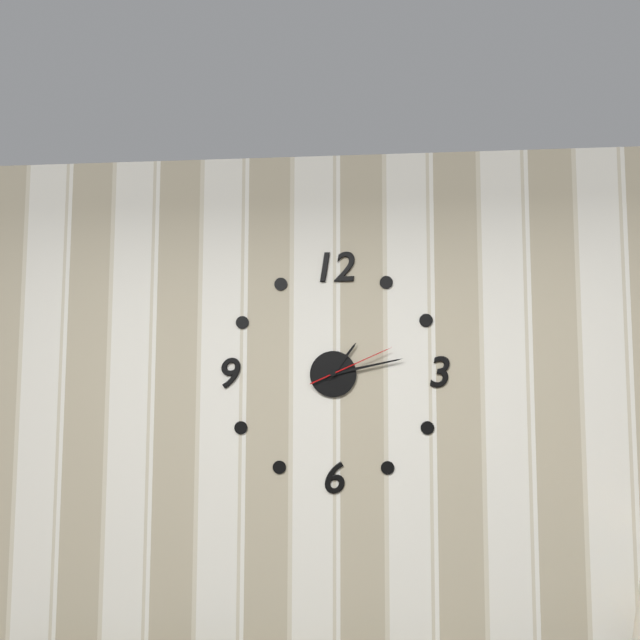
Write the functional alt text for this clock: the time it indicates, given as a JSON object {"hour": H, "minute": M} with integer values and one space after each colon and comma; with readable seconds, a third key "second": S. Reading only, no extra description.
{"hour": 1, "minute": 13, "second": 11}
